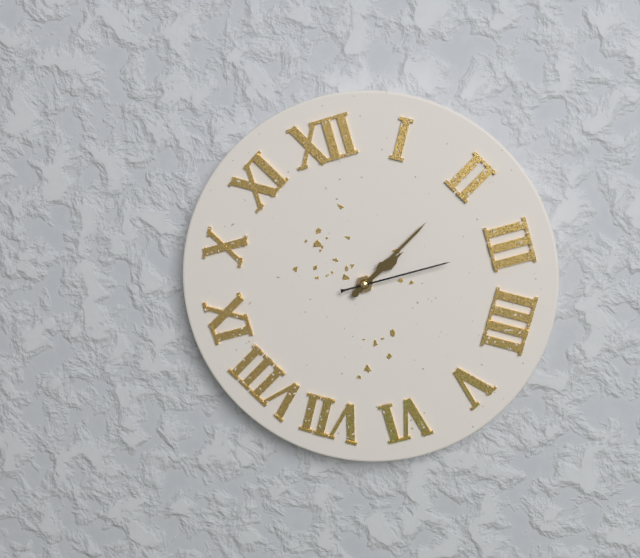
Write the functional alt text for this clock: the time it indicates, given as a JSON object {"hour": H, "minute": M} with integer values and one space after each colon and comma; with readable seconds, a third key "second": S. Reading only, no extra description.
{"hour": 2, "minute": 10, "second": 15}
